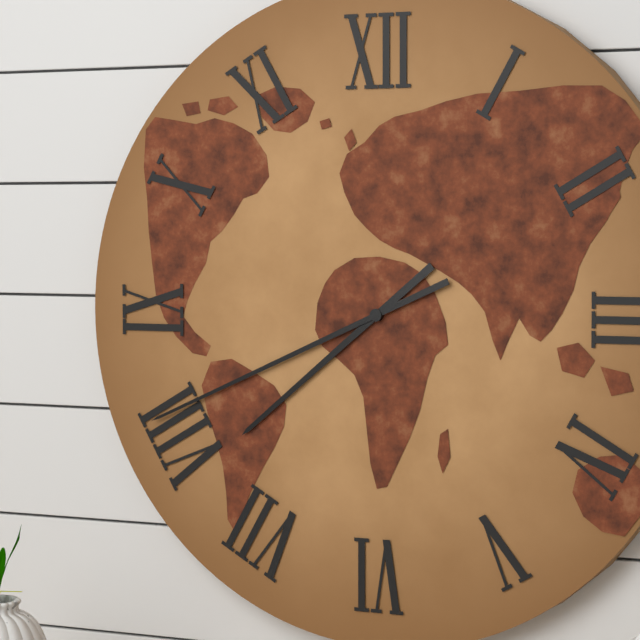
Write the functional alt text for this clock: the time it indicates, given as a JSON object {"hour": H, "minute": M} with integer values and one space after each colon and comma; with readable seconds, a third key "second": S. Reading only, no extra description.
{"hour": 7, "minute": 41}
